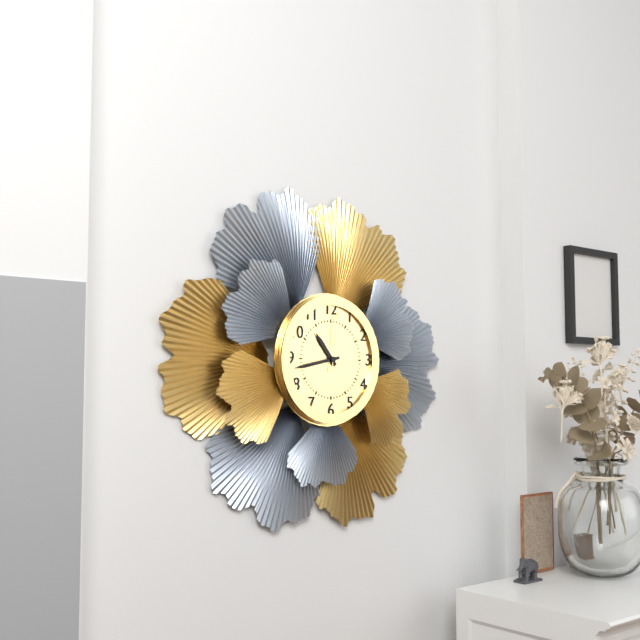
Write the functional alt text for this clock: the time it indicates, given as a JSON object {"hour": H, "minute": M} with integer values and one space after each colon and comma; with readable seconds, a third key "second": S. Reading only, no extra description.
{"hour": 10, "minute": 43, "second": 1}
